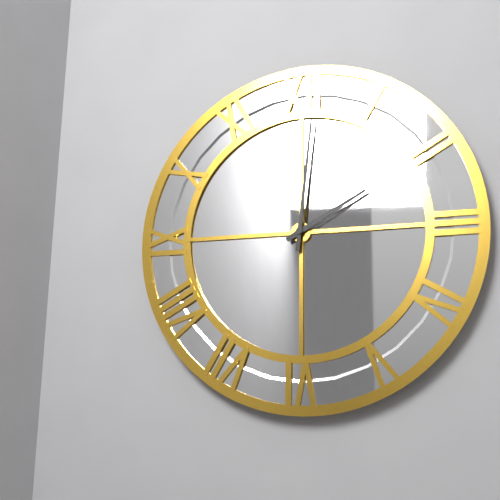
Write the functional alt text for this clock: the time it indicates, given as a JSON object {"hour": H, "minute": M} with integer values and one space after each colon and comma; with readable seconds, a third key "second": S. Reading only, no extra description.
{"hour": 2, "minute": 1}
